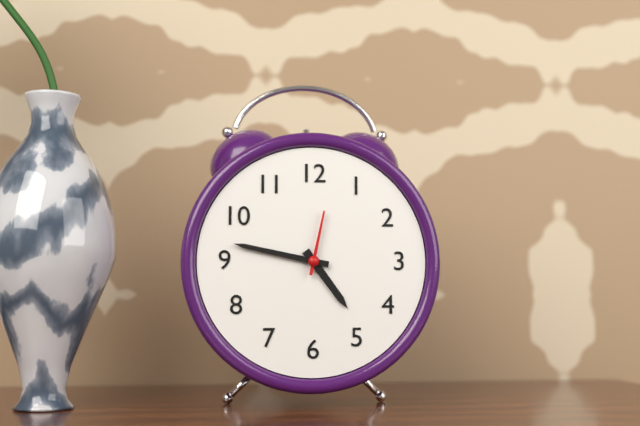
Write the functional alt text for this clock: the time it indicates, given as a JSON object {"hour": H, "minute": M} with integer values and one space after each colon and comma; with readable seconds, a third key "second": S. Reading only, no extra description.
{"hour": 4, "minute": 47, "second": 2}
